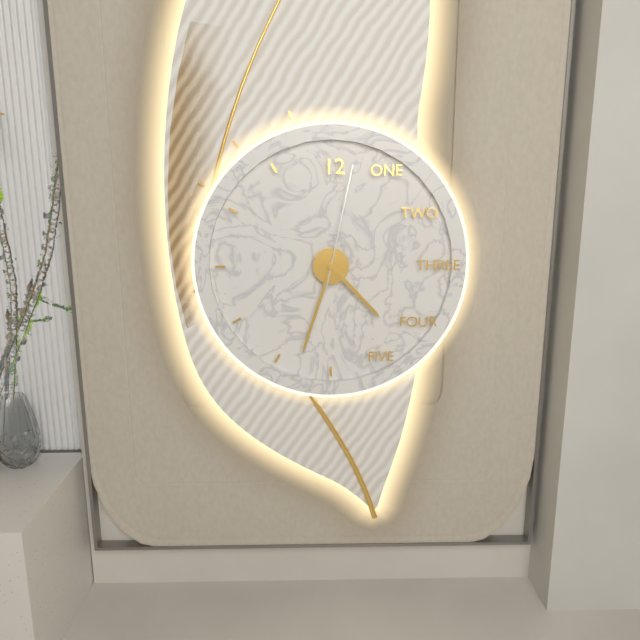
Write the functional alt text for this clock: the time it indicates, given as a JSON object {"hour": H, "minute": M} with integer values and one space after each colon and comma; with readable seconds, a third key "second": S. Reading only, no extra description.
{"hour": 4, "minute": 33, "second": 2}
